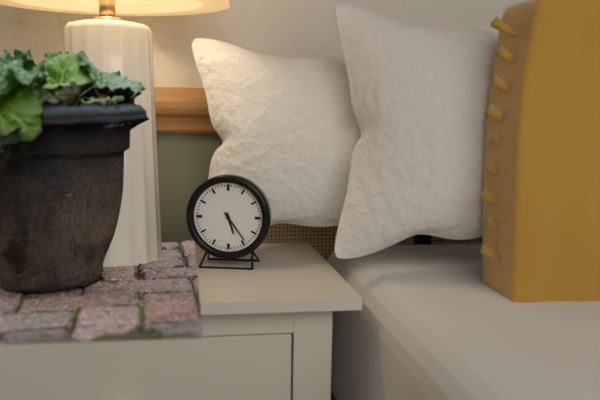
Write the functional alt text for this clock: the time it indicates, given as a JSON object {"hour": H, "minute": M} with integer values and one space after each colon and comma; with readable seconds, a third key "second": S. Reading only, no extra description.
{"hour": 5, "minute": 24}
